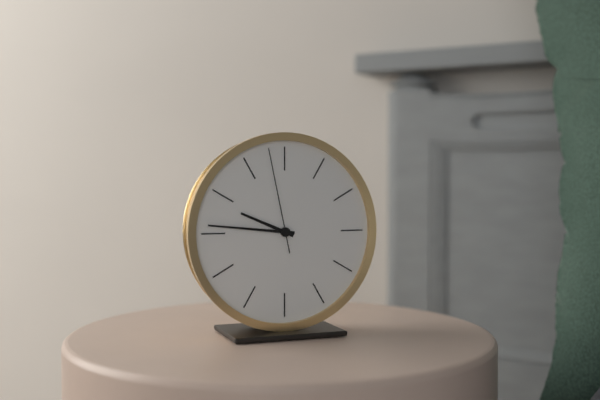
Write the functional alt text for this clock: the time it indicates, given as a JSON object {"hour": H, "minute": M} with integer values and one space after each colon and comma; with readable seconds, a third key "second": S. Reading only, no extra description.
{"hour": 9, "minute": 46, "second": 58}
